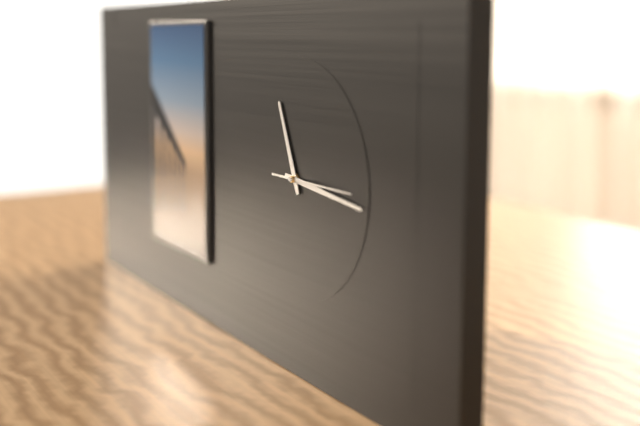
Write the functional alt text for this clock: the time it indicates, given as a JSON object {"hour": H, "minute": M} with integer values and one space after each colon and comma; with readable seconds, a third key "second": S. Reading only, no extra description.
{"hour": 11, "minute": 16, "second": 15}
